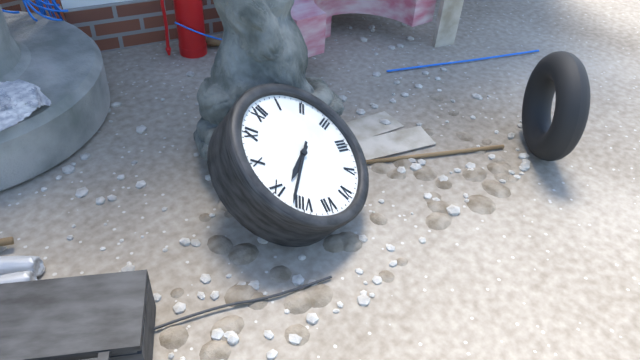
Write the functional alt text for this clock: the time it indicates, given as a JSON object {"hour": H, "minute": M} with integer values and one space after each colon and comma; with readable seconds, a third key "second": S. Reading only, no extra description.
{"hour": 8, "minute": 42}
